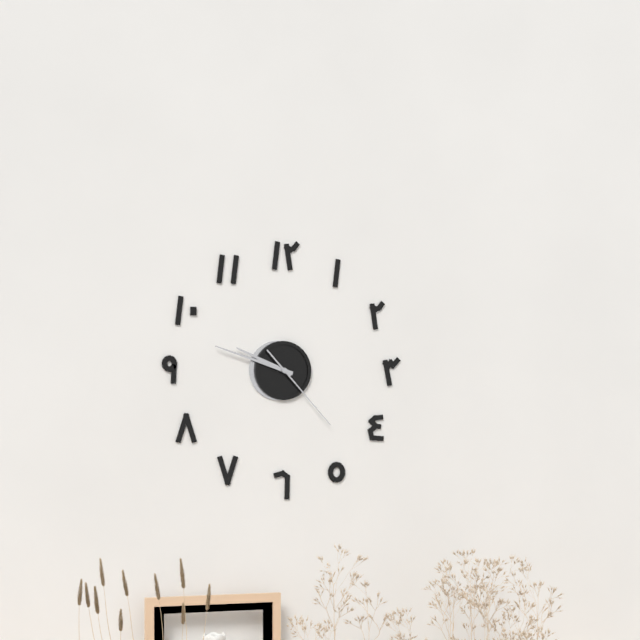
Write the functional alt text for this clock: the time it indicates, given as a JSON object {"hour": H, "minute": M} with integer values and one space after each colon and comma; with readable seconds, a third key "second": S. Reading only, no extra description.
{"hour": 9, "minute": 48, "second": 23}
